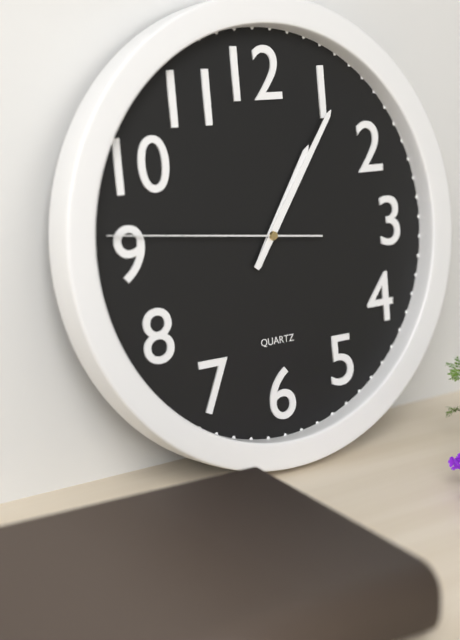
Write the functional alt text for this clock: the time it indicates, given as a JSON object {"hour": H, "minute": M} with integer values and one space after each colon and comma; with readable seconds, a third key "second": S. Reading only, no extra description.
{"hour": 1, "minute": 6, "second": 46}
